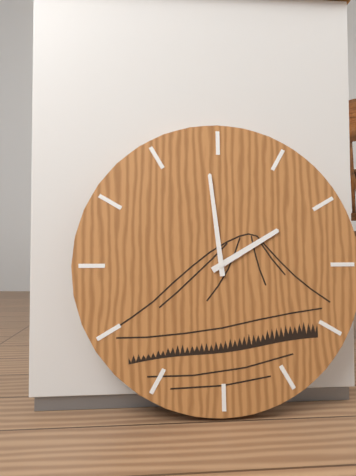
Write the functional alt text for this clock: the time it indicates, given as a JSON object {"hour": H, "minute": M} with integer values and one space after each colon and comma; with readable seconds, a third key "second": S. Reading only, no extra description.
{"hour": 1, "minute": 59}
